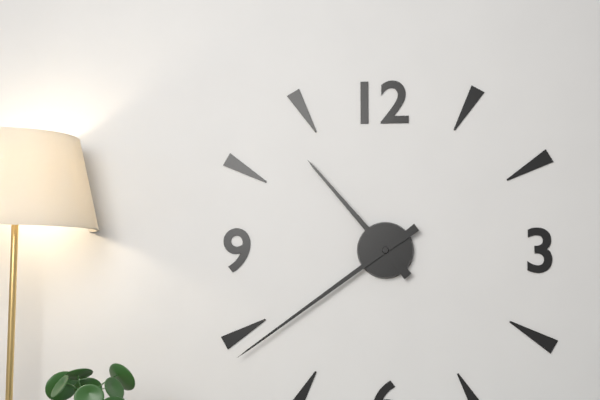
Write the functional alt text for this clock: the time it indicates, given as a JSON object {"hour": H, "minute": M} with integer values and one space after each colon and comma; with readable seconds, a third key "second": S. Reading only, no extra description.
{"hour": 10, "minute": 39}
